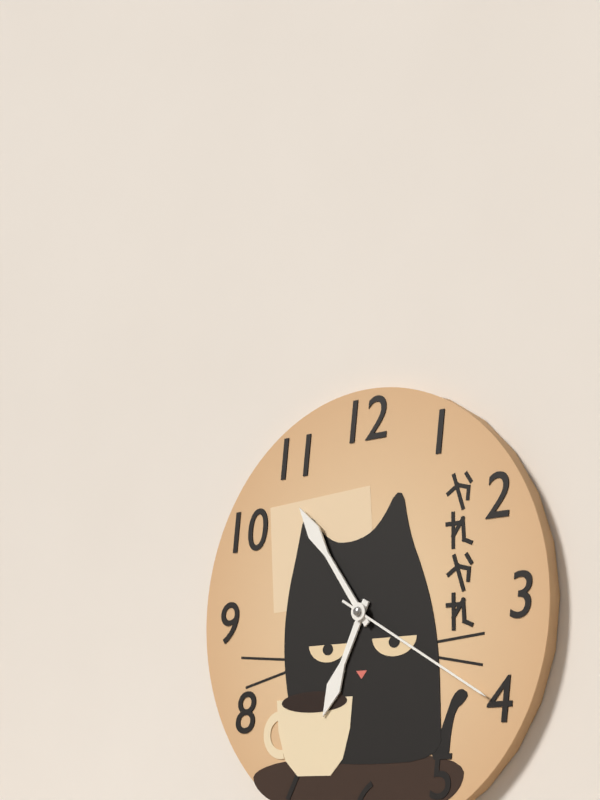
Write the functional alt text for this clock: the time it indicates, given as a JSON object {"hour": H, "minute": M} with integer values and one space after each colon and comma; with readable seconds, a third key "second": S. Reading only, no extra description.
{"hour": 6, "minute": 54, "second": 20}
